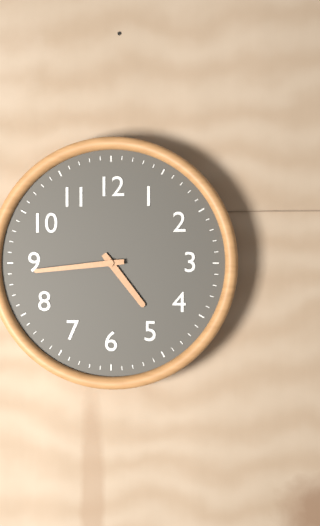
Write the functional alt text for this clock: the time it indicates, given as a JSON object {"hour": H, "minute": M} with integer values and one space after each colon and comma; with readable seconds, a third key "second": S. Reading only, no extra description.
{"hour": 4, "minute": 44}
